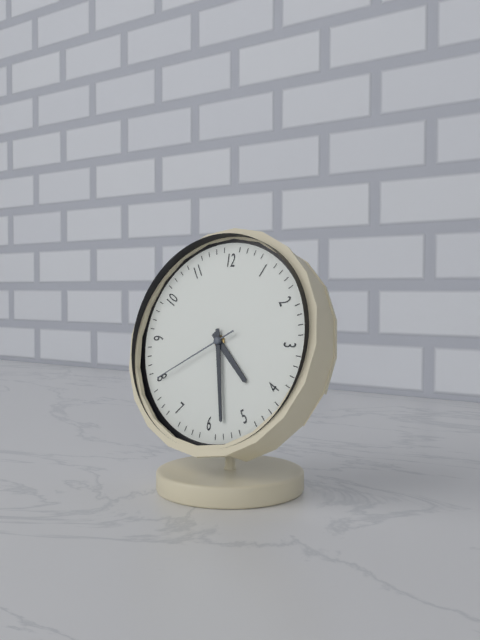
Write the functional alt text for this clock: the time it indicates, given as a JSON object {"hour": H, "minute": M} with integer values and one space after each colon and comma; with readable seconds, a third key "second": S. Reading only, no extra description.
{"hour": 4, "minute": 28, "second": 40}
